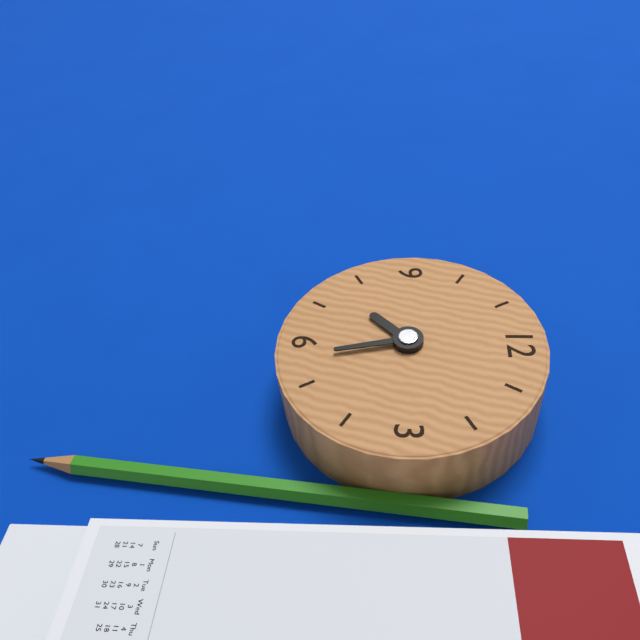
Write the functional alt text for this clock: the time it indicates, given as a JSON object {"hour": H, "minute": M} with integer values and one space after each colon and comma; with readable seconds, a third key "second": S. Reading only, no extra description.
{"hour": 7, "minute": 28}
